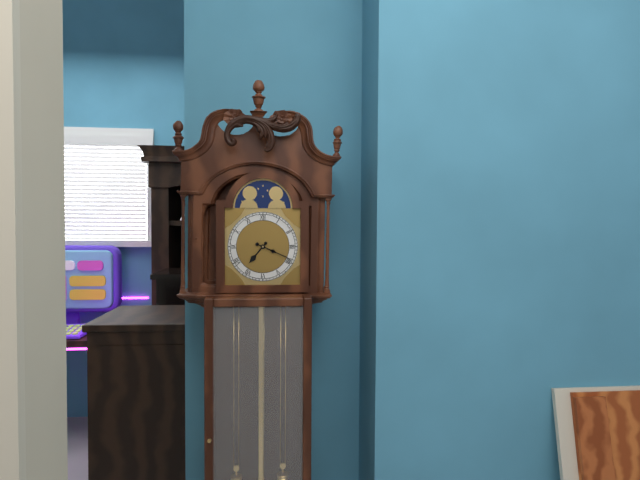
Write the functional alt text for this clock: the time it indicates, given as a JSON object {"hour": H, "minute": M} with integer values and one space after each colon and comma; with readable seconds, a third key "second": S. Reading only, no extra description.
{"hour": 7, "minute": 19}
